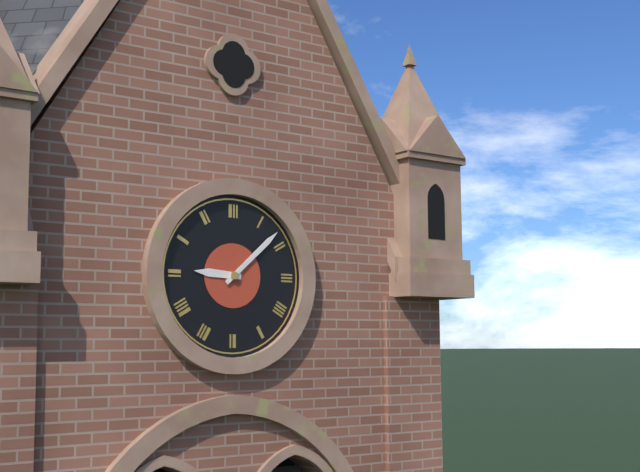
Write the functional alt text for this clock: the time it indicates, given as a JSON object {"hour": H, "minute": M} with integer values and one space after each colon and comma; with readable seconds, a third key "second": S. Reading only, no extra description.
{"hour": 9, "minute": 8}
